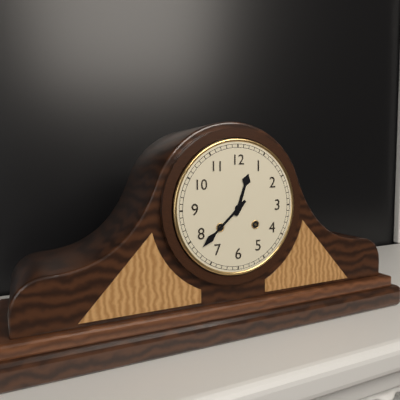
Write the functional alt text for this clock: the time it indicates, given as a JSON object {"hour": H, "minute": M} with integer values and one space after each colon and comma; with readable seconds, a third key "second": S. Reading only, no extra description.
{"hour": 12, "minute": 38}
